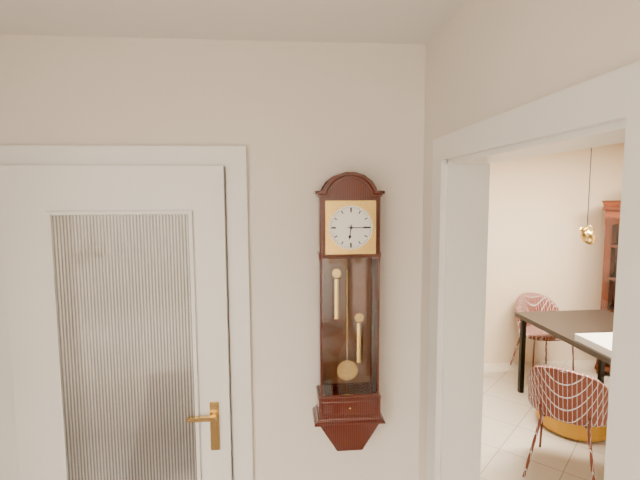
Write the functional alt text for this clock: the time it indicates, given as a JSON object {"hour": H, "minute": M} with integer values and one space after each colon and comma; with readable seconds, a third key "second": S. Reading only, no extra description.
{"hour": 6, "minute": 15}
